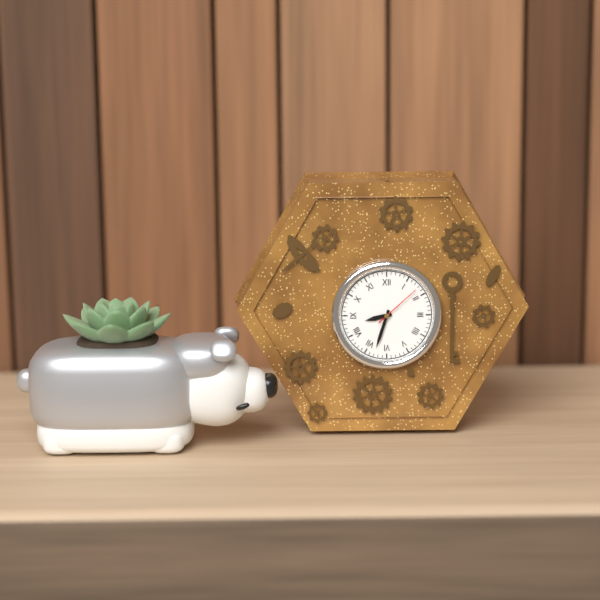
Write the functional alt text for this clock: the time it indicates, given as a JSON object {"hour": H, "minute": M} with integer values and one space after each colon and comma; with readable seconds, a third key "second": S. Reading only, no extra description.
{"hour": 8, "minute": 33}
